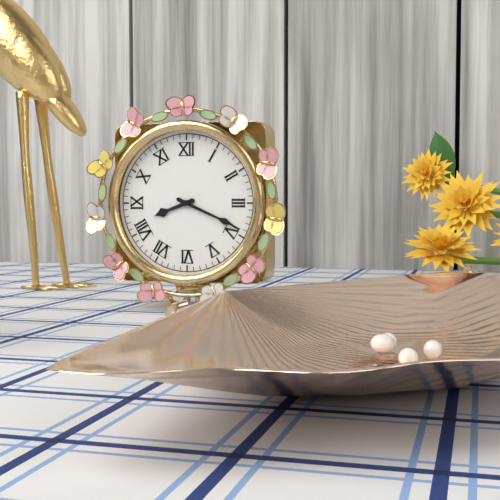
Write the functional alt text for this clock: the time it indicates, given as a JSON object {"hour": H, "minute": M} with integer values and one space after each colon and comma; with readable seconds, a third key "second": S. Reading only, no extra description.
{"hour": 8, "minute": 19}
